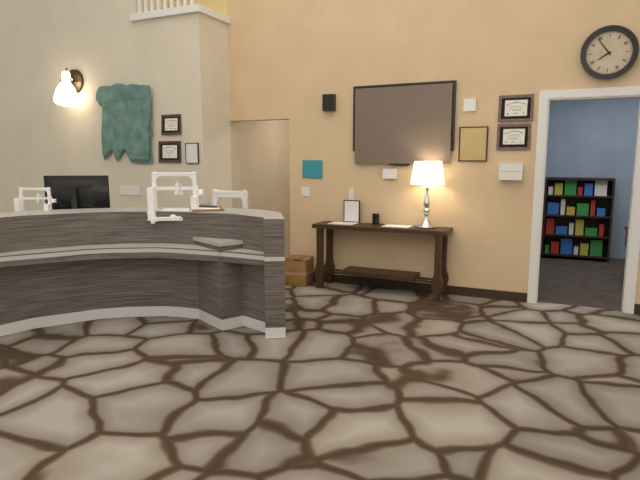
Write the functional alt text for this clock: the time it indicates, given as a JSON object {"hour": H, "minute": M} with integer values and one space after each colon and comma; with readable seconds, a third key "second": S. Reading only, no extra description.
{"hour": 7, "minute": 54}
